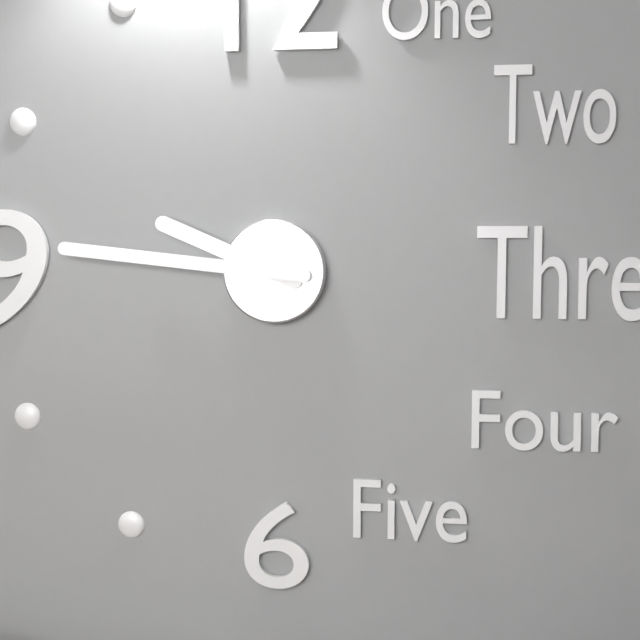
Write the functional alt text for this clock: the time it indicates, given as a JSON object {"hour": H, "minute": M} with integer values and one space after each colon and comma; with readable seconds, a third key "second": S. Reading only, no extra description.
{"hour": 9, "minute": 46}
